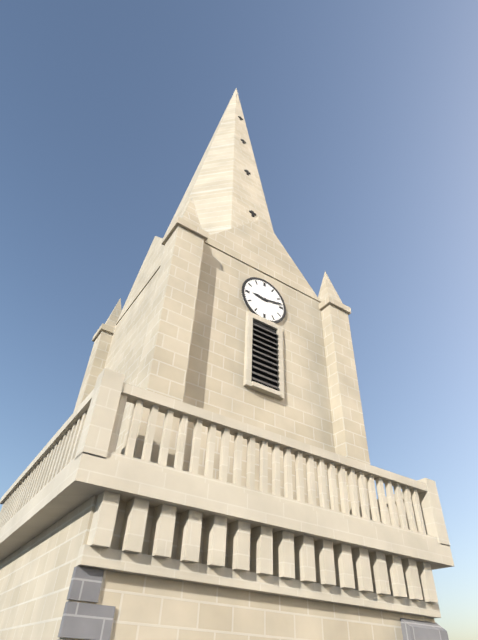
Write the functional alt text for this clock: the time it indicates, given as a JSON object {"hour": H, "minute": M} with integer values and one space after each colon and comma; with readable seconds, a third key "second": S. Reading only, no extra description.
{"hour": 9, "minute": 13}
